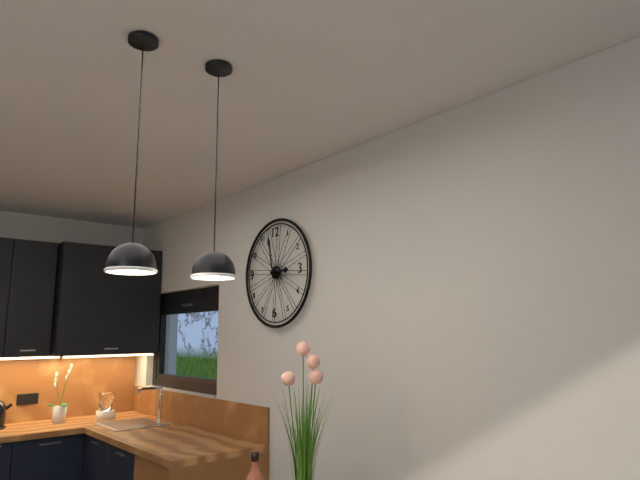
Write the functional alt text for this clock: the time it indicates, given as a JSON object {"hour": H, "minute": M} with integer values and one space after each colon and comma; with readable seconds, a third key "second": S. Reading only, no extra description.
{"hour": 2, "minute": 58}
